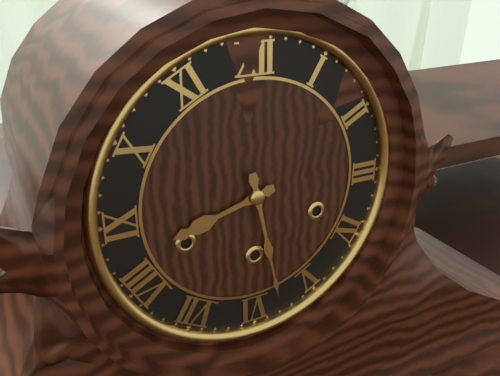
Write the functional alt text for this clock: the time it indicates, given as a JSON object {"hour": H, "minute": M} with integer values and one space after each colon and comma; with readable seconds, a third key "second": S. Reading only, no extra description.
{"hour": 8, "minute": 28}
